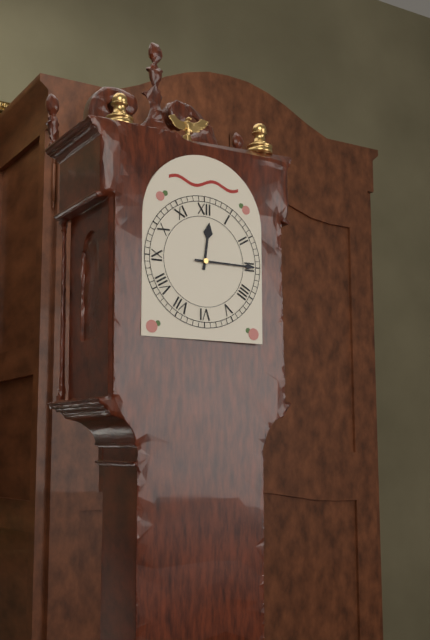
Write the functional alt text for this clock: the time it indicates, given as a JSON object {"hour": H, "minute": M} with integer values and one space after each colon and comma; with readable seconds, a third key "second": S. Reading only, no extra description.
{"hour": 12, "minute": 15}
